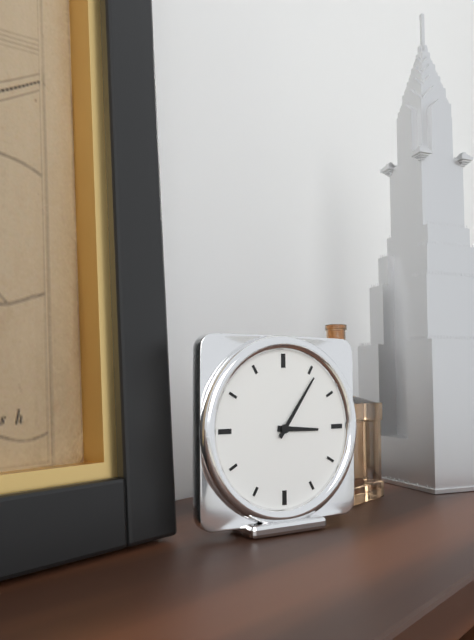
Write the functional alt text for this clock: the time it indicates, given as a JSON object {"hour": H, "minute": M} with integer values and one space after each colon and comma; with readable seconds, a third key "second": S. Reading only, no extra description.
{"hour": 3, "minute": 6}
